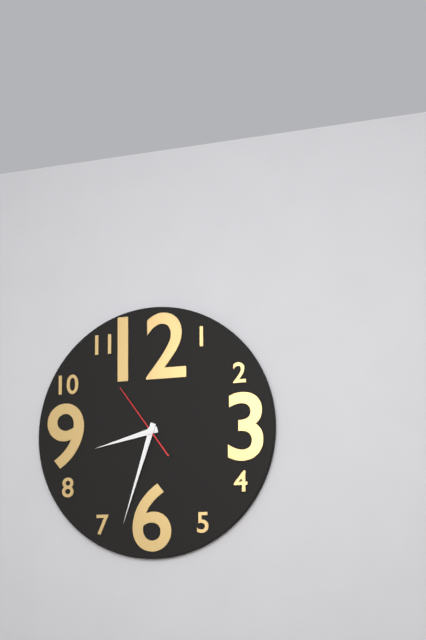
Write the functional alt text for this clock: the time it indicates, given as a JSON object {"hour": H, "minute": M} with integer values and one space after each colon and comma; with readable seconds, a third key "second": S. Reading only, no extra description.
{"hour": 8, "minute": 33, "second": 54}
